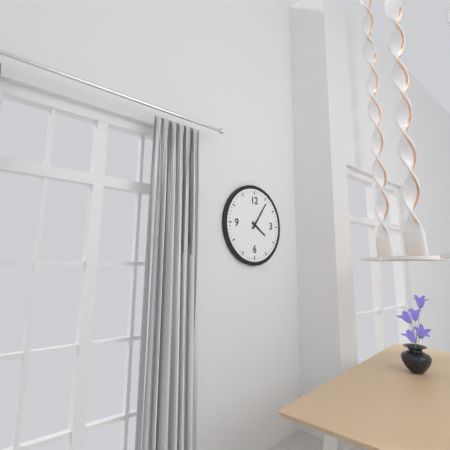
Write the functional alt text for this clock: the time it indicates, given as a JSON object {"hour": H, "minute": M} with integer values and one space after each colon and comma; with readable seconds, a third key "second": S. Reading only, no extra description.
{"hour": 4, "minute": 6}
